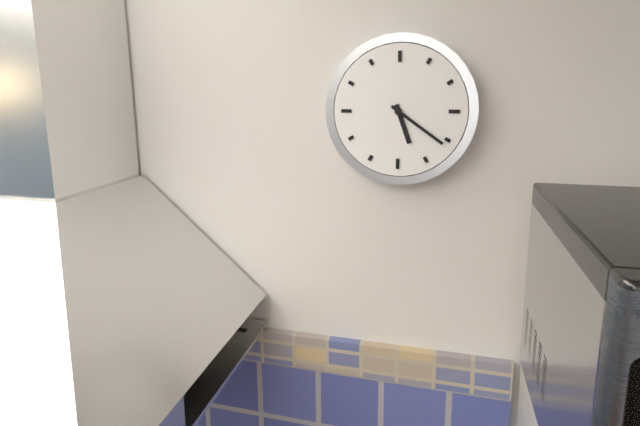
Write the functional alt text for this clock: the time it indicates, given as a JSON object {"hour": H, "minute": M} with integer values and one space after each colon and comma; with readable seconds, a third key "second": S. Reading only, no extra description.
{"hour": 5, "minute": 21}
